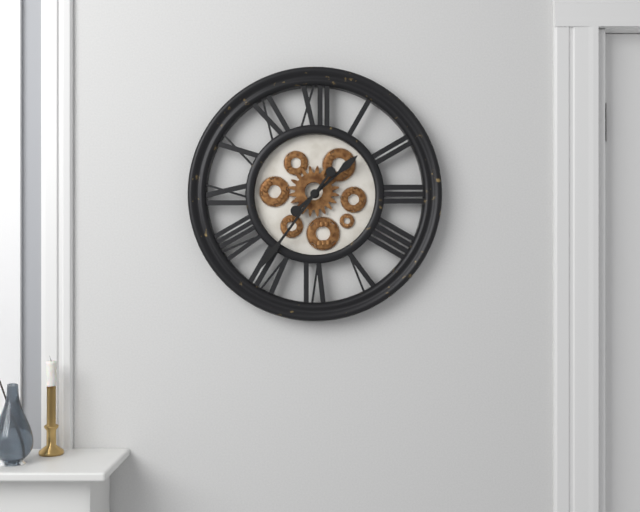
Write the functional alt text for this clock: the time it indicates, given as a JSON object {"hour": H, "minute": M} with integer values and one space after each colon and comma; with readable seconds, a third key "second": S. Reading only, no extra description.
{"hour": 1, "minute": 36}
